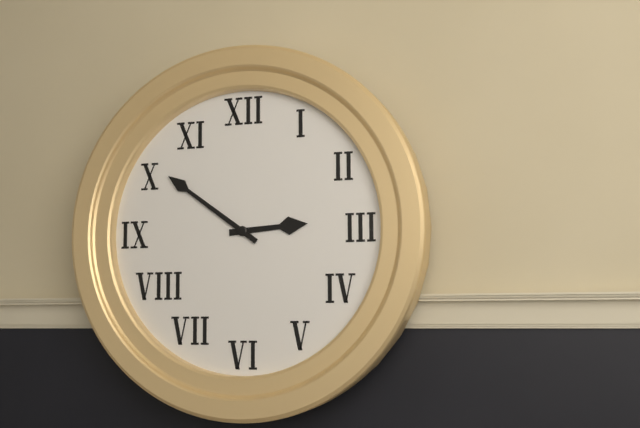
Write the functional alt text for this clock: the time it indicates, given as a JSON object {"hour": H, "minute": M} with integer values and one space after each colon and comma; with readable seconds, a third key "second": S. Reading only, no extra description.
{"hour": 2, "minute": 51}
